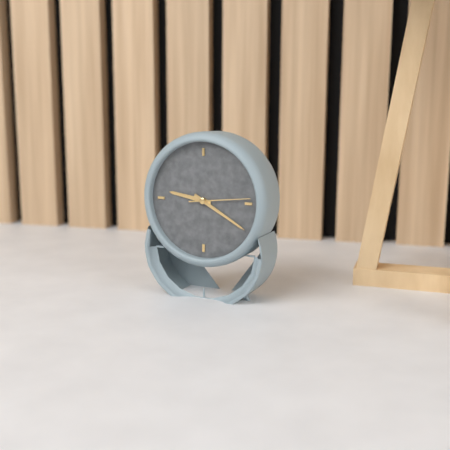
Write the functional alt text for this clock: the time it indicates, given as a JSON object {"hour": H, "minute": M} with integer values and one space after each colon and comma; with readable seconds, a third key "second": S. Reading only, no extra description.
{"hour": 9, "minute": 20, "second": 14}
